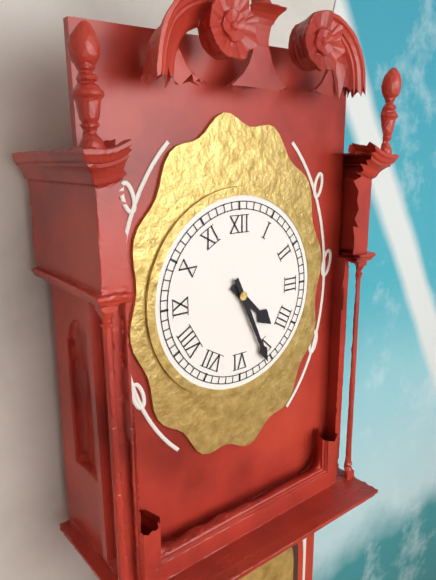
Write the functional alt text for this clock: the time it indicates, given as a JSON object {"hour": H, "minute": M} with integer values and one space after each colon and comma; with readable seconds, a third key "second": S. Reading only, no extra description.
{"hour": 4, "minute": 26}
